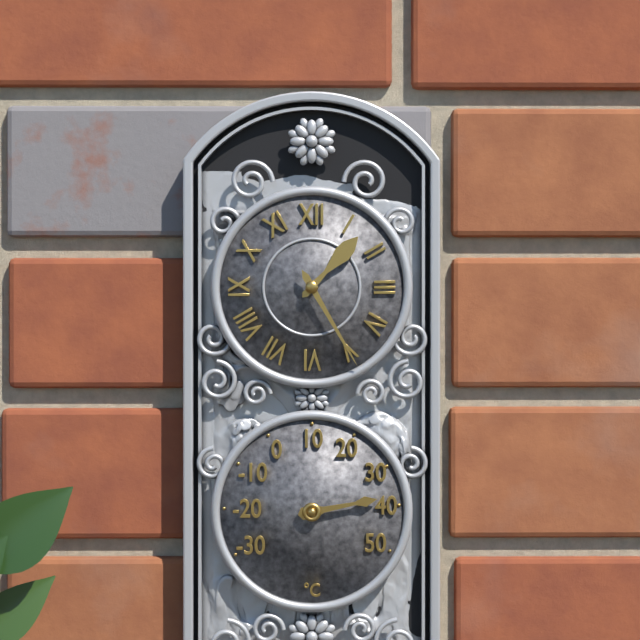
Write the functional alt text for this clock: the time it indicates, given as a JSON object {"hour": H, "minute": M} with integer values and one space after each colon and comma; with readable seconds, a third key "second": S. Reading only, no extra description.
{"hour": 1, "minute": 25}
